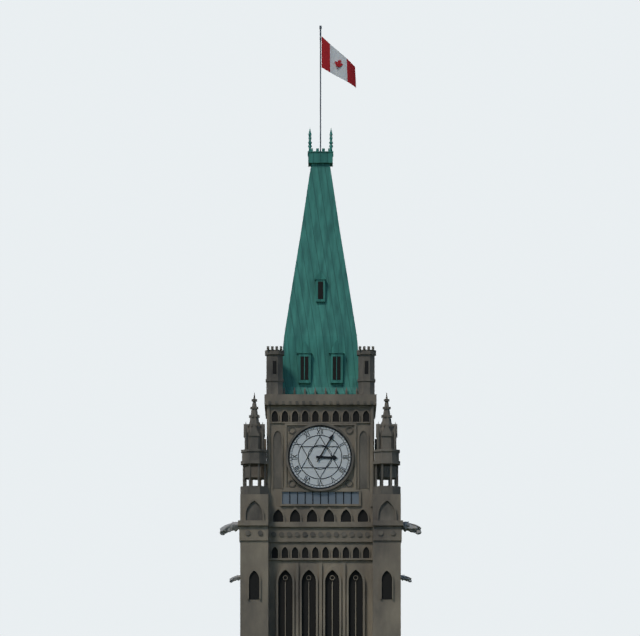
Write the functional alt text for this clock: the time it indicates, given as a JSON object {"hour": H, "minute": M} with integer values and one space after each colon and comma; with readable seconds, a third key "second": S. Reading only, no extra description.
{"hour": 3, "minute": 5}
